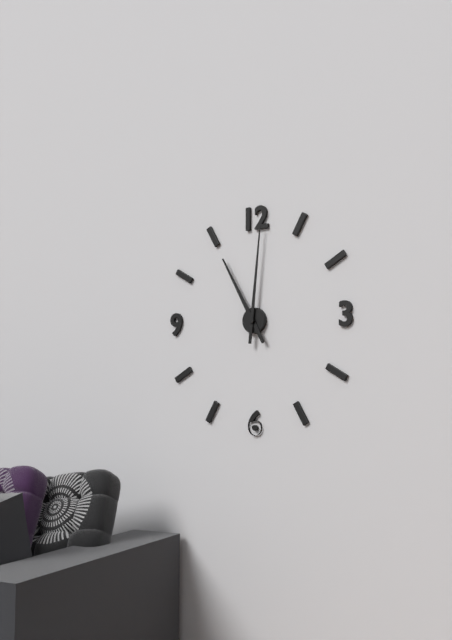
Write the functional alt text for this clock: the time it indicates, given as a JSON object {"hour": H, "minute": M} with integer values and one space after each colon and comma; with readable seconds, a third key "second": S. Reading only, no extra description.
{"hour": 11, "minute": 1}
